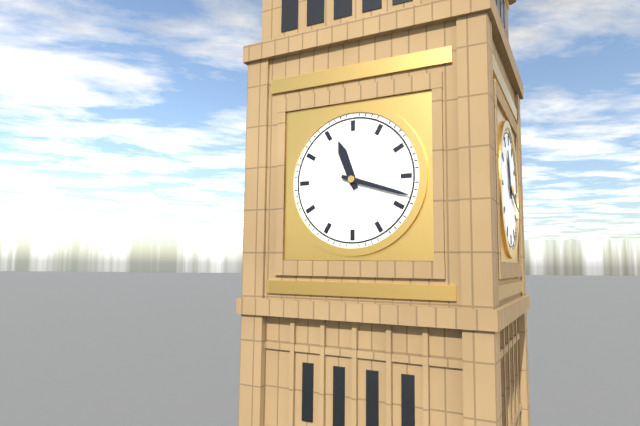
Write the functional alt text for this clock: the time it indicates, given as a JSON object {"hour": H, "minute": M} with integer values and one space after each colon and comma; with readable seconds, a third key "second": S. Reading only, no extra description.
{"hour": 11, "minute": 18}
